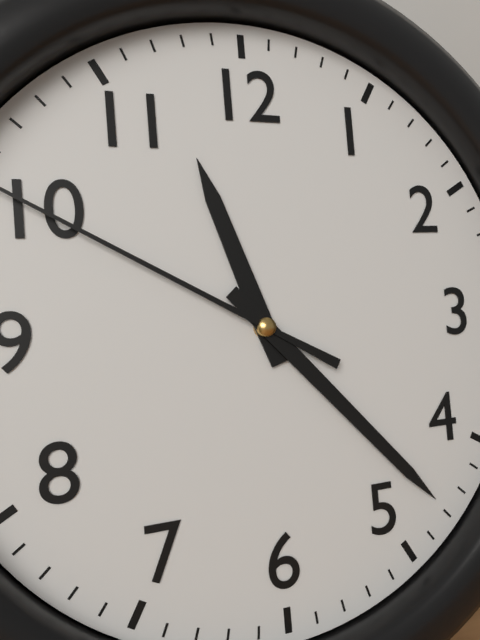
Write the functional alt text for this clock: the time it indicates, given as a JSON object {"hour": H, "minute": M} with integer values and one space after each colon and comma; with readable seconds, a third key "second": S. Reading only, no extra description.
{"hour": 11, "minute": 23}
